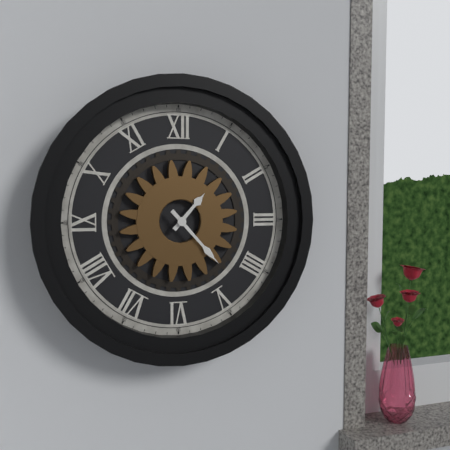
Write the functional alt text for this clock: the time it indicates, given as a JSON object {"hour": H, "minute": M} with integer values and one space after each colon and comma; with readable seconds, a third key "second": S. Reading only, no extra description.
{"hour": 1, "minute": 23}
